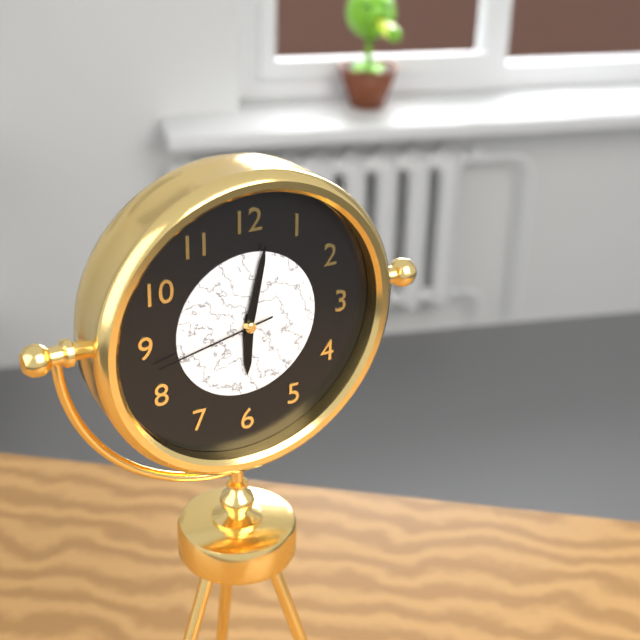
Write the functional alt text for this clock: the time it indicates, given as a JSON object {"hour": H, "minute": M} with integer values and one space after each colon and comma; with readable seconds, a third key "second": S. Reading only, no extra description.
{"hour": 6, "minute": 2, "second": 43}
